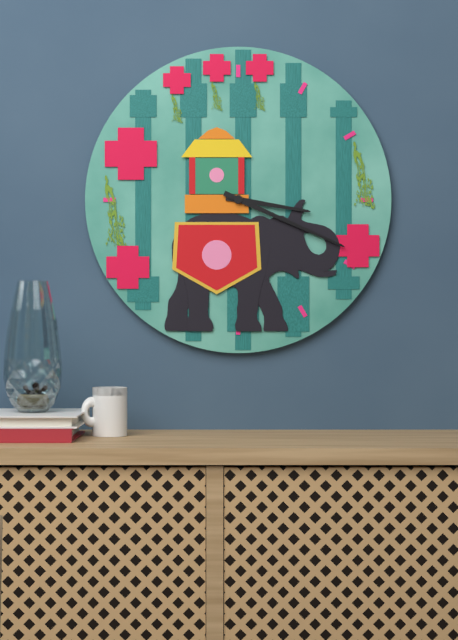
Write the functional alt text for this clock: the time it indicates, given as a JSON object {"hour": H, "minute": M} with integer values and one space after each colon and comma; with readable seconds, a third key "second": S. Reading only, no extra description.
{"hour": 3, "minute": 19}
